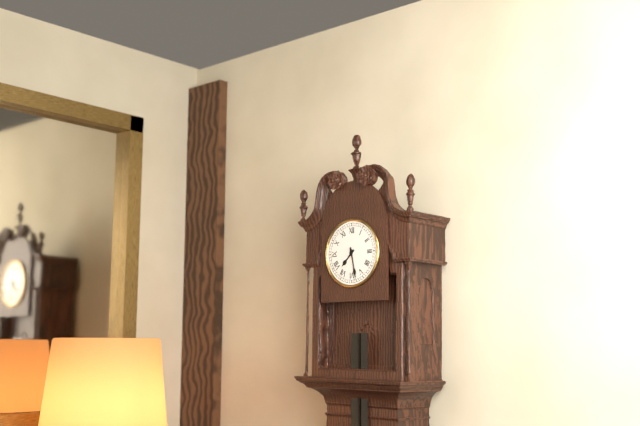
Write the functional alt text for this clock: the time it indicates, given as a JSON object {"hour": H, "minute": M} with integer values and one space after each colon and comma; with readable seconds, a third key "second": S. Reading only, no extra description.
{"hour": 7, "minute": 28}
